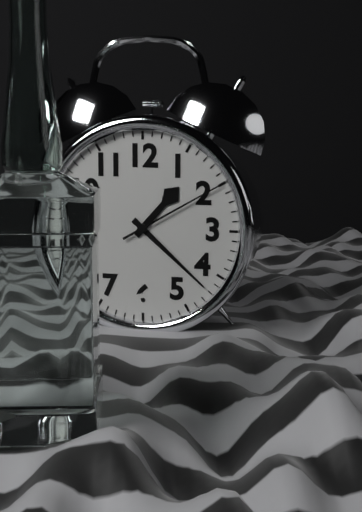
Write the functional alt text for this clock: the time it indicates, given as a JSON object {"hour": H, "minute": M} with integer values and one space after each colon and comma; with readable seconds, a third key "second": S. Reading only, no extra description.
{"hour": 1, "minute": 22, "second": 10}
